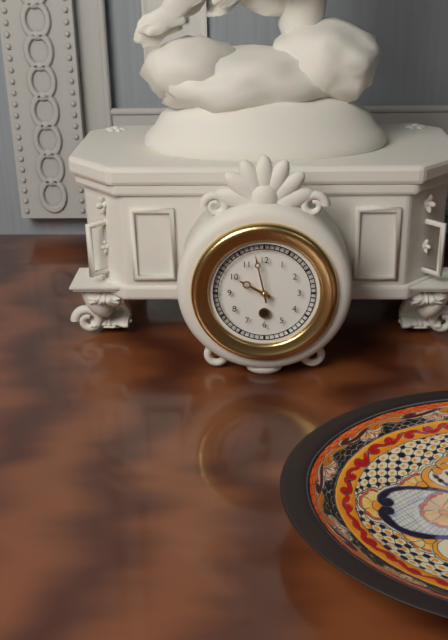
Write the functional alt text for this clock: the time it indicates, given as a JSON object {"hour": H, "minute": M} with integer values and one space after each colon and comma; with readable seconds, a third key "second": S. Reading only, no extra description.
{"hour": 9, "minute": 58}
